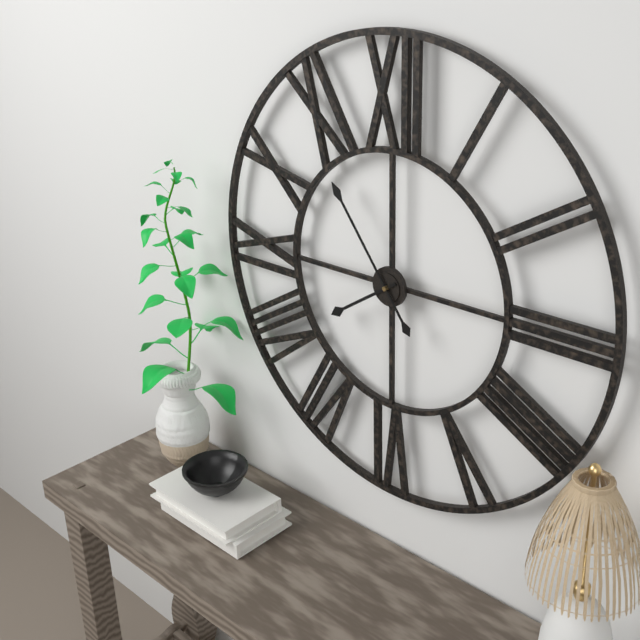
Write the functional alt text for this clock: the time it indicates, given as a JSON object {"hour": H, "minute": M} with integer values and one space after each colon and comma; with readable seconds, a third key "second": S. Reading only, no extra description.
{"hour": 7, "minute": 54}
